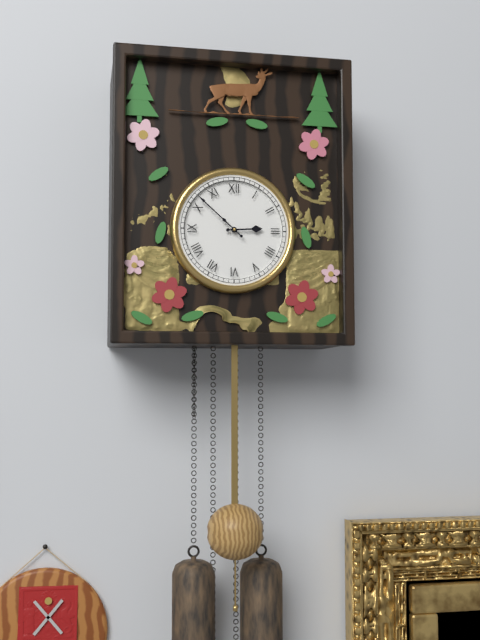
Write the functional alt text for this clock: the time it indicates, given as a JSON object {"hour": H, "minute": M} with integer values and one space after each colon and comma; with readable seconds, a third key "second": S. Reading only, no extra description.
{"hour": 2, "minute": 52}
